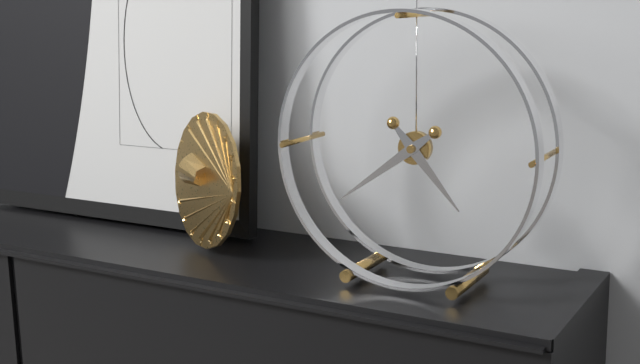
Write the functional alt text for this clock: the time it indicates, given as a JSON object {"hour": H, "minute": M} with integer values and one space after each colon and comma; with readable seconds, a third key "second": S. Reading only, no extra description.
{"hour": 4, "minute": 39}
